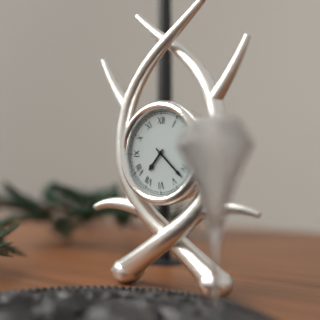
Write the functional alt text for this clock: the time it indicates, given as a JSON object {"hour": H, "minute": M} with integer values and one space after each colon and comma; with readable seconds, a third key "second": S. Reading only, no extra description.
{"hour": 7, "minute": 22}
